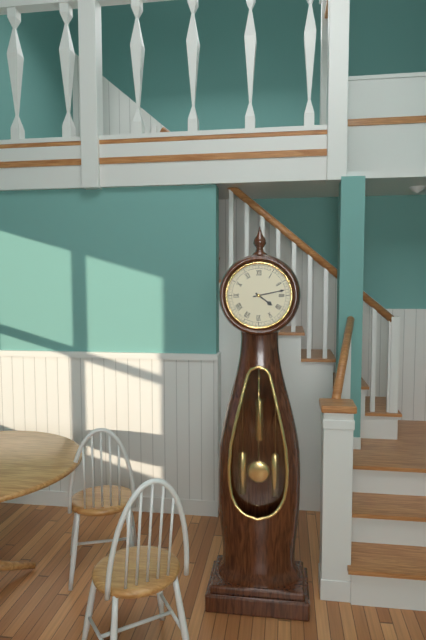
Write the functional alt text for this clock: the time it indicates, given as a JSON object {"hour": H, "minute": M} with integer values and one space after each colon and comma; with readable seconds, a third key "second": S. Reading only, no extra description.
{"hour": 4, "minute": 13}
